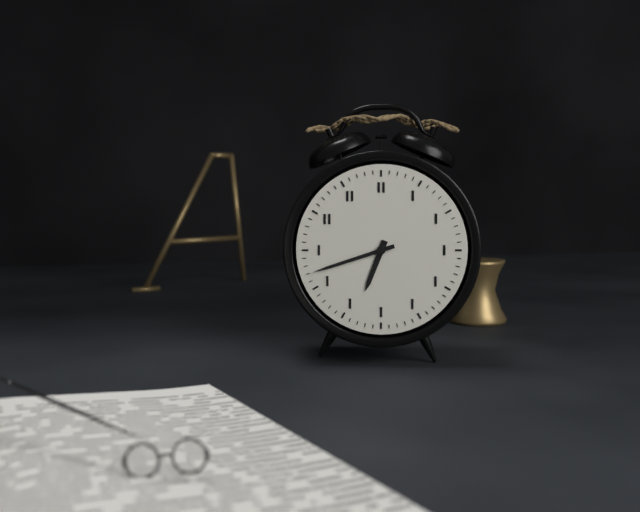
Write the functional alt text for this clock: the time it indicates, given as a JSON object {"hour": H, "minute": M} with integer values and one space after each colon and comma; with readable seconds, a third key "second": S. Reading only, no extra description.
{"hour": 6, "minute": 42}
